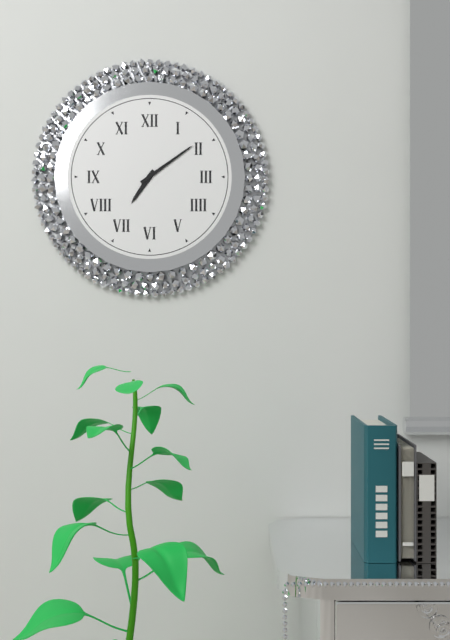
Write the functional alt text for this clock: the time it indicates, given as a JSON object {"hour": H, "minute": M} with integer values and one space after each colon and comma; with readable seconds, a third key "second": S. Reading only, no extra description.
{"hour": 7, "minute": 9}
